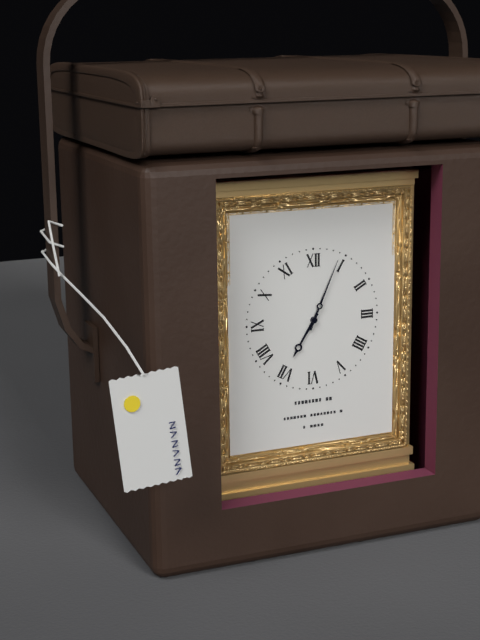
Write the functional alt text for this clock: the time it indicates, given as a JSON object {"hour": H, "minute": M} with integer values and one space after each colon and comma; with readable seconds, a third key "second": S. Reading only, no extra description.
{"hour": 7, "minute": 4}
